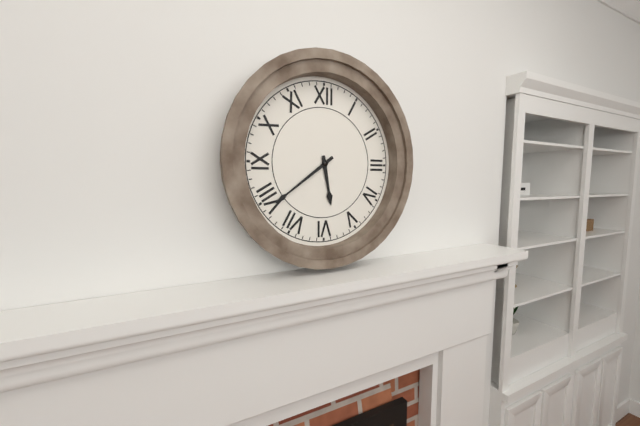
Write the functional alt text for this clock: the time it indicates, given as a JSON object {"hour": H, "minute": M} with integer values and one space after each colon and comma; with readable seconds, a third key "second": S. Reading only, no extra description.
{"hour": 5, "minute": 39}
